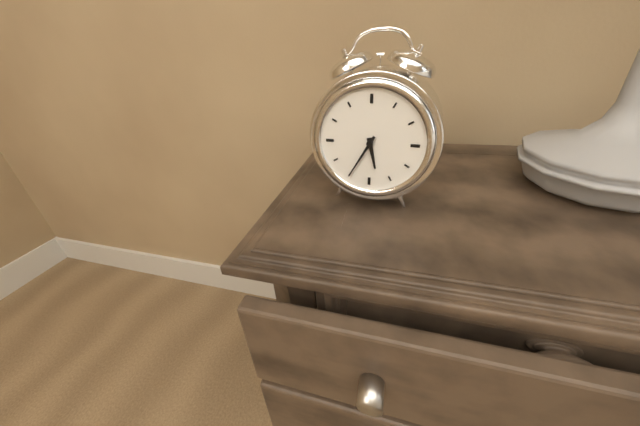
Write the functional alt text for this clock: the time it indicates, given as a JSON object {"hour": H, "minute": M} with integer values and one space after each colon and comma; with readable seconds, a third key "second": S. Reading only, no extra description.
{"hour": 5, "minute": 35}
